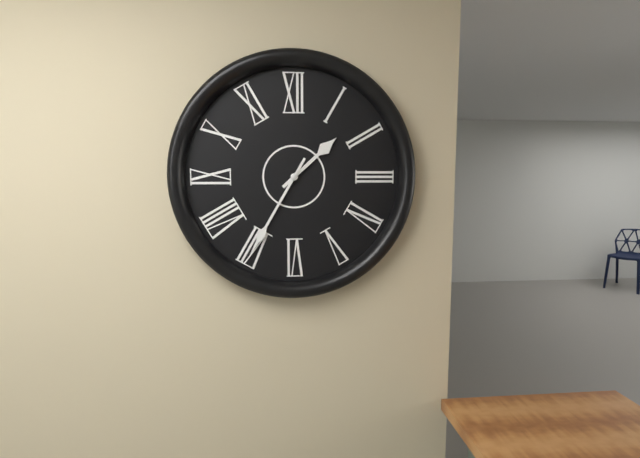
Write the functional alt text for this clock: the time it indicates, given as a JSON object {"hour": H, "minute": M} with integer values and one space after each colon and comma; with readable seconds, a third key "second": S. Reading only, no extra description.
{"hour": 1, "minute": 35}
